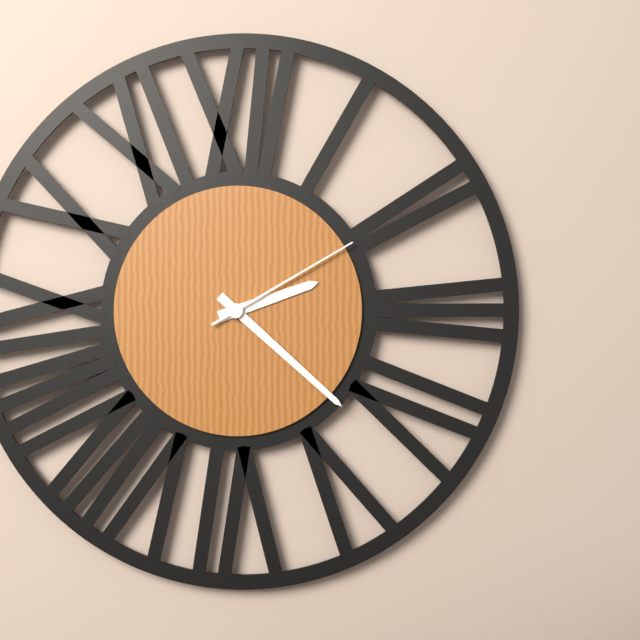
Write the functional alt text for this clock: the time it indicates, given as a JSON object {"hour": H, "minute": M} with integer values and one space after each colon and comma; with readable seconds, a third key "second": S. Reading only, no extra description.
{"hour": 2, "minute": 22, "second": 10}
